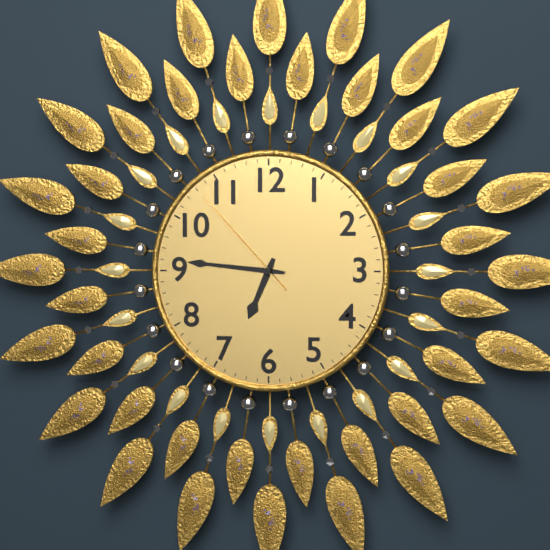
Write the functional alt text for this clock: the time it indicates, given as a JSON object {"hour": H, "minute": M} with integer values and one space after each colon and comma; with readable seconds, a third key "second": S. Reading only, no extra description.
{"hour": 6, "minute": 46, "second": 53}
